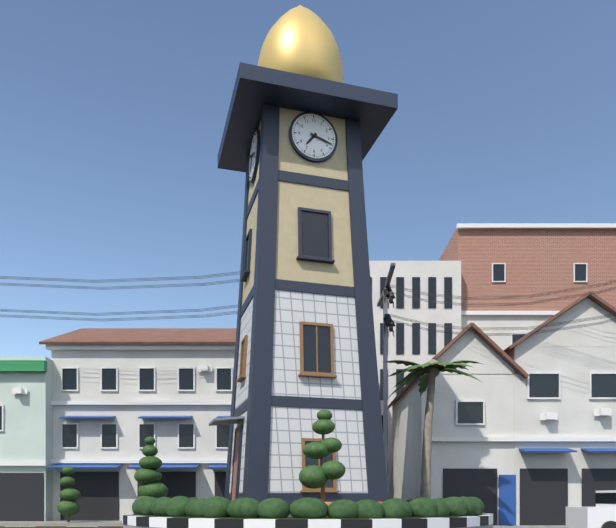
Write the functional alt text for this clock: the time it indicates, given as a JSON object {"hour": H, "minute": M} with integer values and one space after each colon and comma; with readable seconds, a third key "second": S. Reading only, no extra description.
{"hour": 7, "minute": 18}
